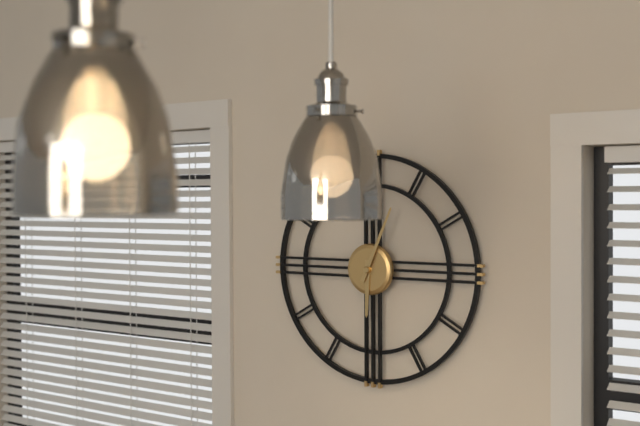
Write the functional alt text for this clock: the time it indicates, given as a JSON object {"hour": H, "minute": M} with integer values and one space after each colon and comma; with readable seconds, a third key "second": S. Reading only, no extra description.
{"hour": 6, "minute": 4}
